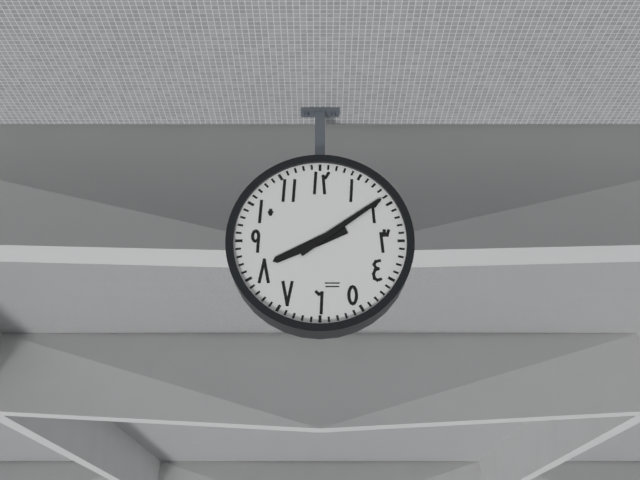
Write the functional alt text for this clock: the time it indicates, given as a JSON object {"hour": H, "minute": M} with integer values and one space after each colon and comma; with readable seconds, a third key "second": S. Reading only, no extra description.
{"hour": 8, "minute": 9}
